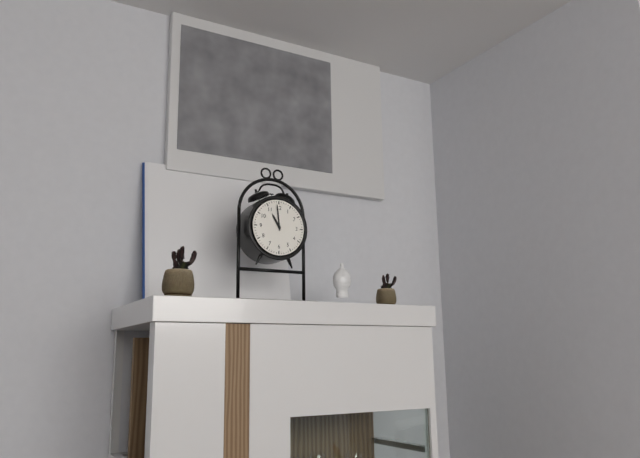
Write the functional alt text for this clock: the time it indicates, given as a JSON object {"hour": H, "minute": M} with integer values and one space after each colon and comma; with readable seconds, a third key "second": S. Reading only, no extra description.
{"hour": 10, "minute": 59}
